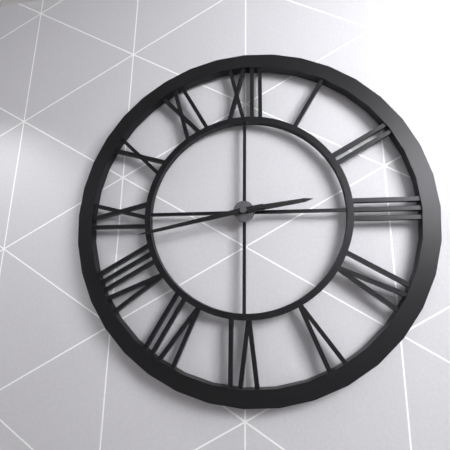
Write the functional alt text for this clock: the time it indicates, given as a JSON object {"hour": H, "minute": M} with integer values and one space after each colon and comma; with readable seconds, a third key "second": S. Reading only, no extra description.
{"hour": 2, "minute": 43}
